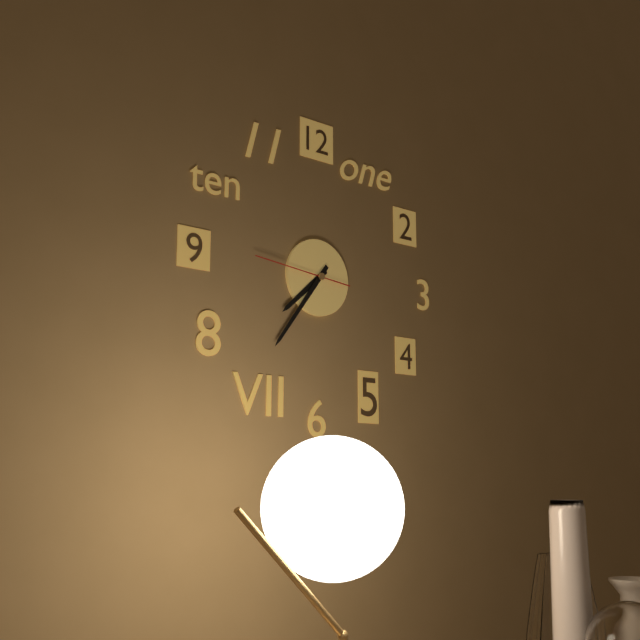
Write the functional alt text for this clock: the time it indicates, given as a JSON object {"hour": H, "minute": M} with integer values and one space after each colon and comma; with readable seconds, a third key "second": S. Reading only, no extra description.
{"hour": 7, "minute": 36, "second": 46}
